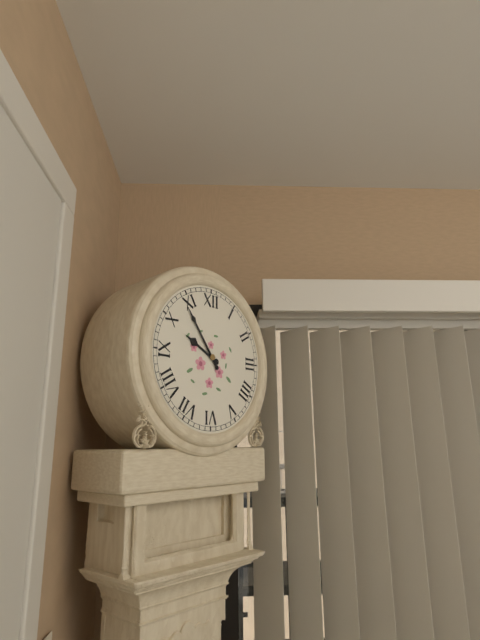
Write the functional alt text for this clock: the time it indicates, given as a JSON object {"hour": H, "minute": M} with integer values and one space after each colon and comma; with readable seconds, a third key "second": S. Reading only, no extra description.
{"hour": 9, "minute": 54}
